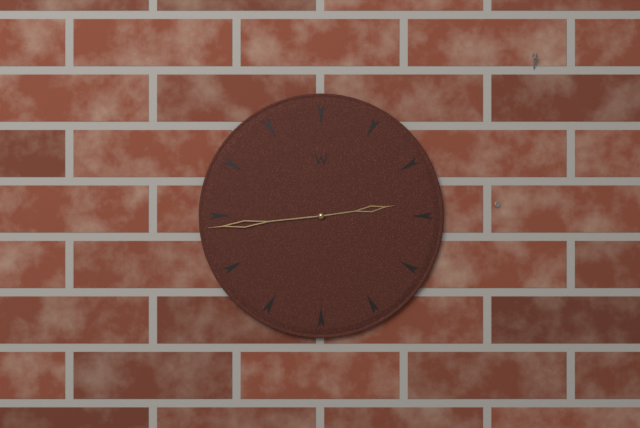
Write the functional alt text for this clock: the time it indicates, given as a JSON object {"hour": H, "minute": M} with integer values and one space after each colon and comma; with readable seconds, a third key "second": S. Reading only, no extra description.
{"hour": 2, "minute": 44}
